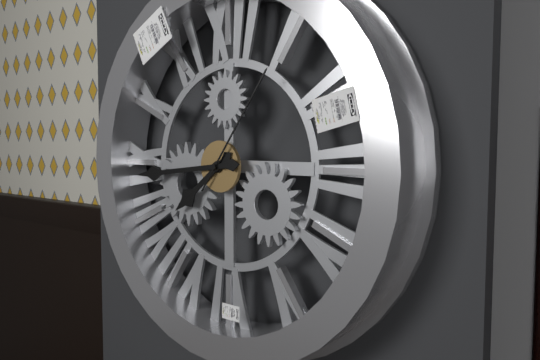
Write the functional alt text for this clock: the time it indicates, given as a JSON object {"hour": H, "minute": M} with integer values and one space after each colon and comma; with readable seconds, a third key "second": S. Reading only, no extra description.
{"hour": 7, "minute": 44, "second": 6}
